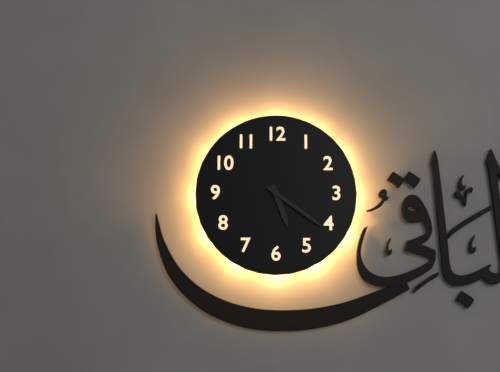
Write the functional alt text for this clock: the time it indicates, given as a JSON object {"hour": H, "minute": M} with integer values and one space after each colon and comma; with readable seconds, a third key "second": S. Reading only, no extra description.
{"hour": 5, "minute": 21}
